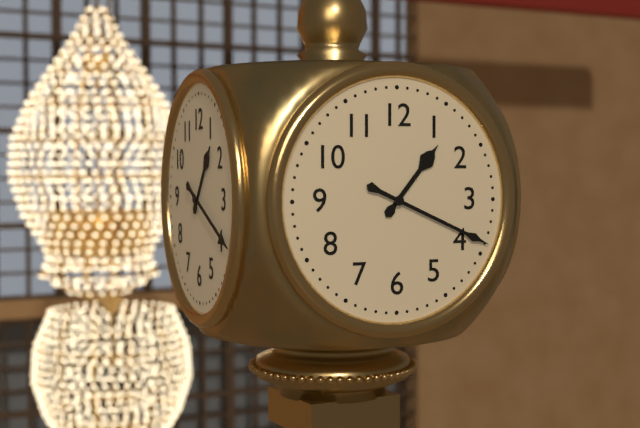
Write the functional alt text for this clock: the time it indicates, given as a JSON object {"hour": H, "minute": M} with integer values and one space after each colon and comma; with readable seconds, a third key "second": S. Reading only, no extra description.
{"hour": 1, "minute": 19}
